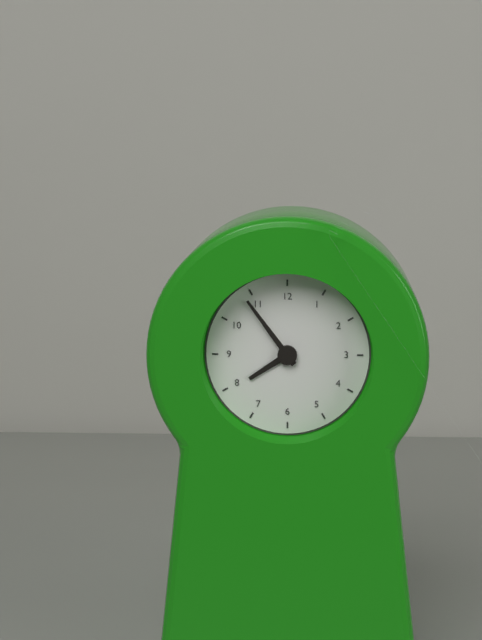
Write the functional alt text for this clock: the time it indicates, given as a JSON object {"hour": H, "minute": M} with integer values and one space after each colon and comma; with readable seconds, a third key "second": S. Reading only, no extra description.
{"hour": 7, "minute": 54}
